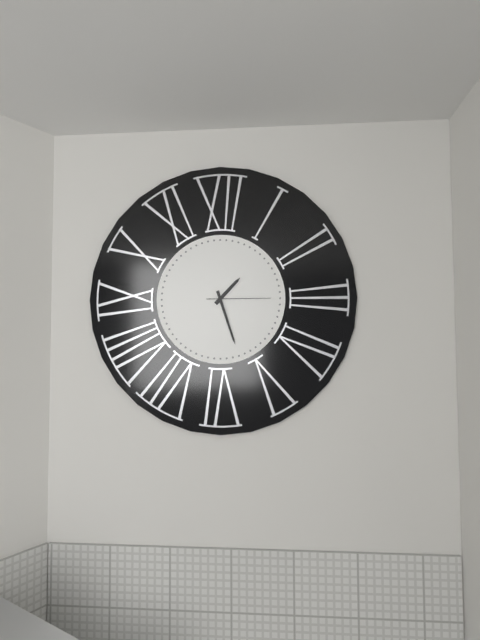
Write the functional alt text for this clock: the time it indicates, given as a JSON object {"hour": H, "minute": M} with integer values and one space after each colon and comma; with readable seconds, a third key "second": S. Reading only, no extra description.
{"hour": 1, "minute": 27, "second": 15}
